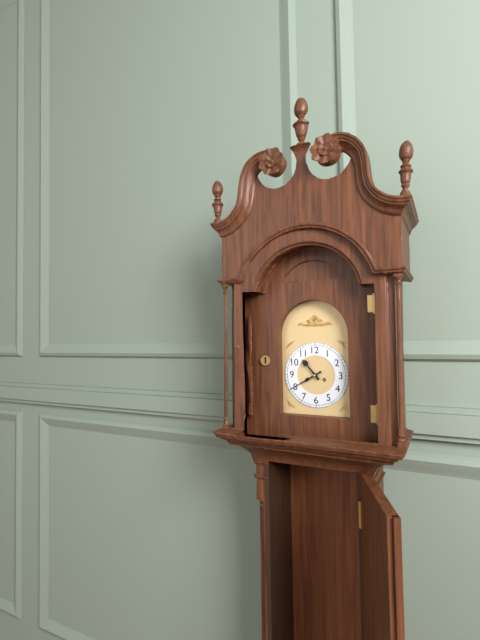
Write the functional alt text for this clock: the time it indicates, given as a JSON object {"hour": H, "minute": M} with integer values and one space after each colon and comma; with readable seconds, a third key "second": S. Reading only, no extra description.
{"hour": 10, "minute": 40}
